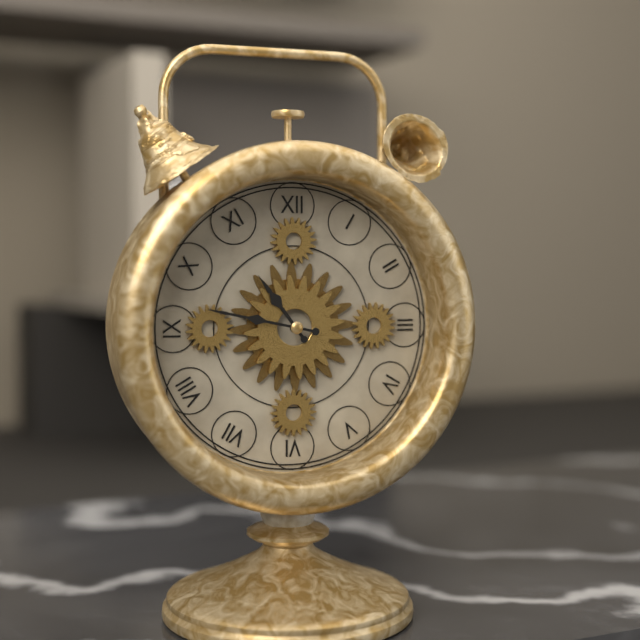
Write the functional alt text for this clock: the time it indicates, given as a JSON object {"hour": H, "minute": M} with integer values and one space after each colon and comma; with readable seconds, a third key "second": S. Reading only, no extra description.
{"hour": 10, "minute": 47}
